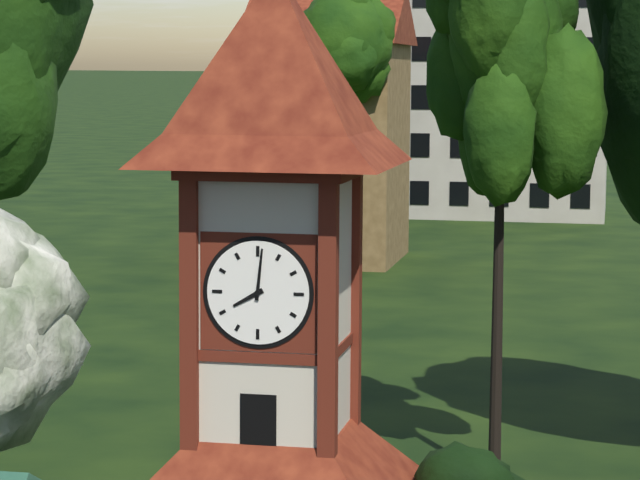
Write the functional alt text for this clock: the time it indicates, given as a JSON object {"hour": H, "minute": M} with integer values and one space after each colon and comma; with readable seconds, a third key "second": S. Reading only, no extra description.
{"hour": 8, "minute": 1}
